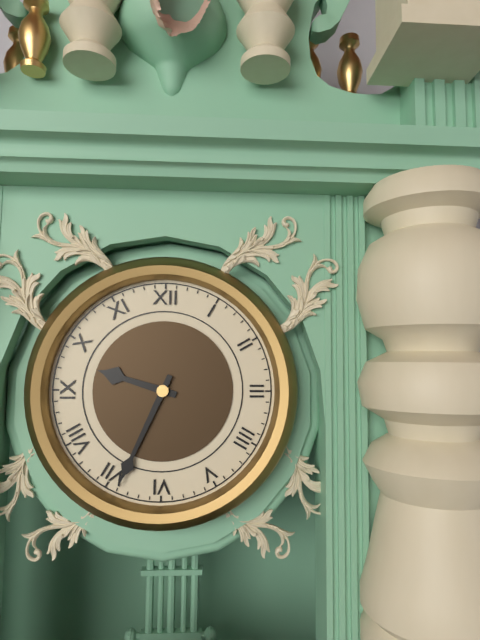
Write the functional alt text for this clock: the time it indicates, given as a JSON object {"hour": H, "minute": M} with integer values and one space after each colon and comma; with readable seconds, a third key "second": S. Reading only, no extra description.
{"hour": 9, "minute": 34}
